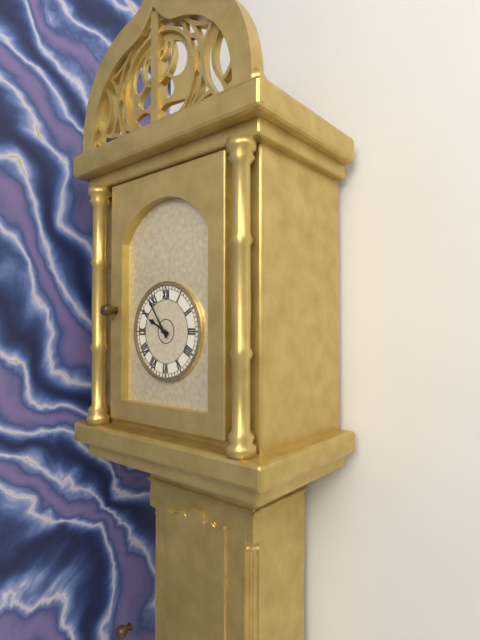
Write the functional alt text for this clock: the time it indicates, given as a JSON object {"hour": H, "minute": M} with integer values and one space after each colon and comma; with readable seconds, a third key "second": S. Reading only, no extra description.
{"hour": 9, "minute": 54}
